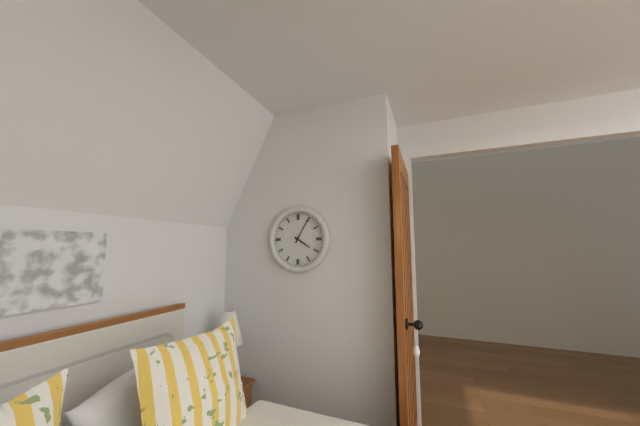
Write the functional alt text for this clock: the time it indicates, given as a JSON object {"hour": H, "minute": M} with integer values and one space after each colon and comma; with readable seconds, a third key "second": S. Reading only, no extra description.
{"hour": 4, "minute": 5}
